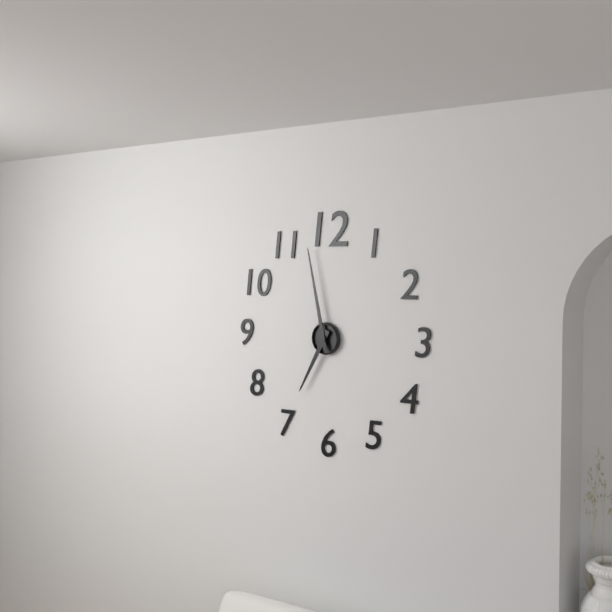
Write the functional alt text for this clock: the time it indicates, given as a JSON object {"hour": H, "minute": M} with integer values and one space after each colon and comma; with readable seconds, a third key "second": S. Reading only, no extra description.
{"hour": 6, "minute": 58}
